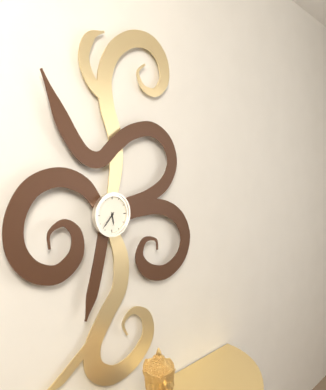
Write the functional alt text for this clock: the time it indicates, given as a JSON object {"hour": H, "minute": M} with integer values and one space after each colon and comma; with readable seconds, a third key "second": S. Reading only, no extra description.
{"hour": 5, "minute": 37}
